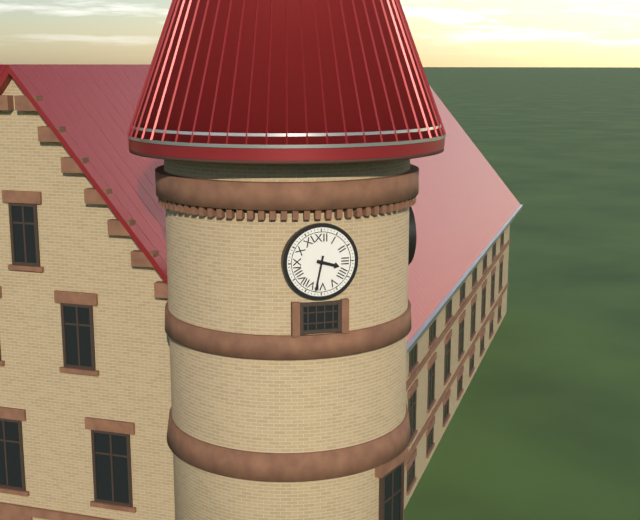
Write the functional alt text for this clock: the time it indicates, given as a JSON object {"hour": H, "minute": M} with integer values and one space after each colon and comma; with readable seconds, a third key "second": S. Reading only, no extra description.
{"hour": 3, "minute": 32}
